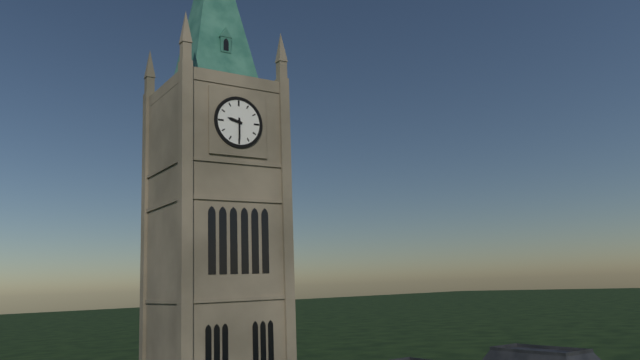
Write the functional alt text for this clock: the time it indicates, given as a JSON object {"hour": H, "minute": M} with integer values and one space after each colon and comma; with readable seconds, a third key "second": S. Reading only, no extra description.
{"hour": 9, "minute": 30}
